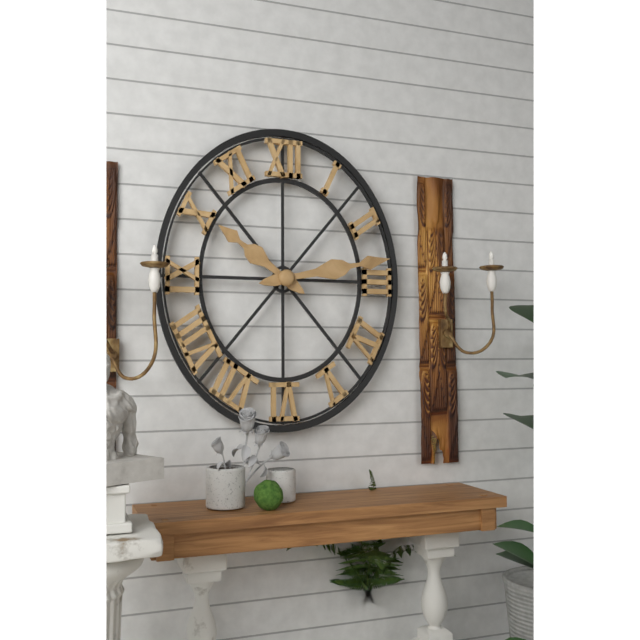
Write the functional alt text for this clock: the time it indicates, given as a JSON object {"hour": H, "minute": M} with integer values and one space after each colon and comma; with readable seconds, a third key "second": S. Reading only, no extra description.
{"hour": 10, "minute": 13}
